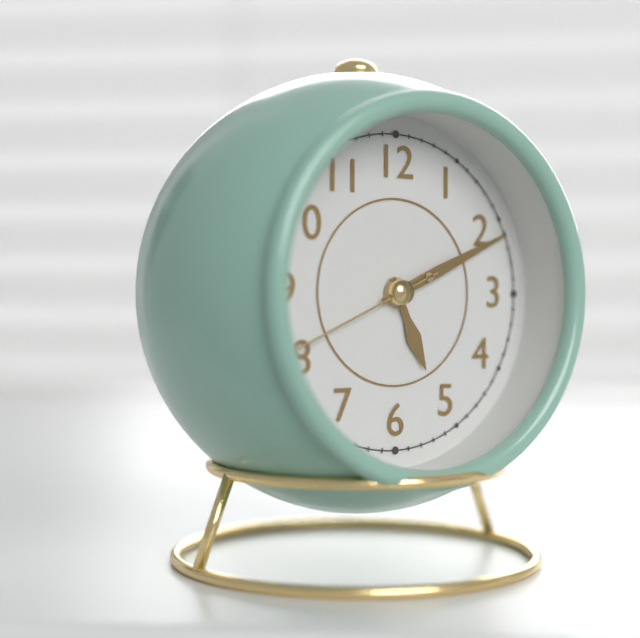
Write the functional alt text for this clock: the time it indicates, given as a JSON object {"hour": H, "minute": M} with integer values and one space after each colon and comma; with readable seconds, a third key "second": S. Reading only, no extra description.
{"hour": 5, "minute": 11, "second": 41}
